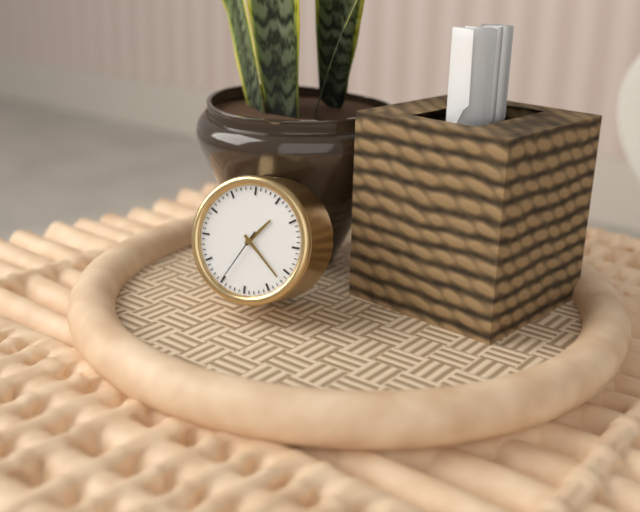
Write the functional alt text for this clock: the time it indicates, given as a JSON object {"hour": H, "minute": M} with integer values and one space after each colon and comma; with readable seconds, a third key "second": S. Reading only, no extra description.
{"hour": 1, "minute": 22, "second": 35}
